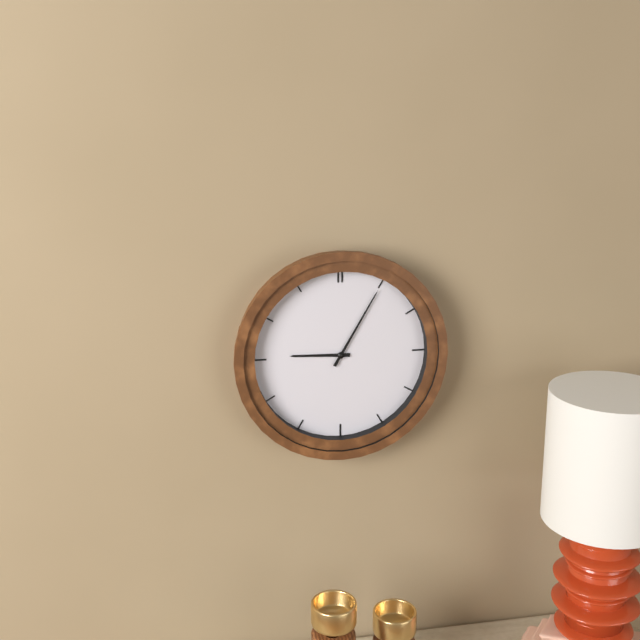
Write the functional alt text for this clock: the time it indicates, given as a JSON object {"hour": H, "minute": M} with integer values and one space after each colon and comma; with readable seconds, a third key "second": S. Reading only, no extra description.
{"hour": 9, "minute": 5}
